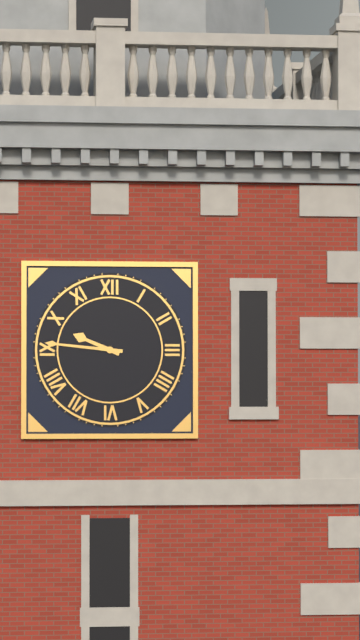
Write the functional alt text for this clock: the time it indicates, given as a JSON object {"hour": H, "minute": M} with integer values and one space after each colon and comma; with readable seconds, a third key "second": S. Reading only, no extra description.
{"hour": 9, "minute": 46}
